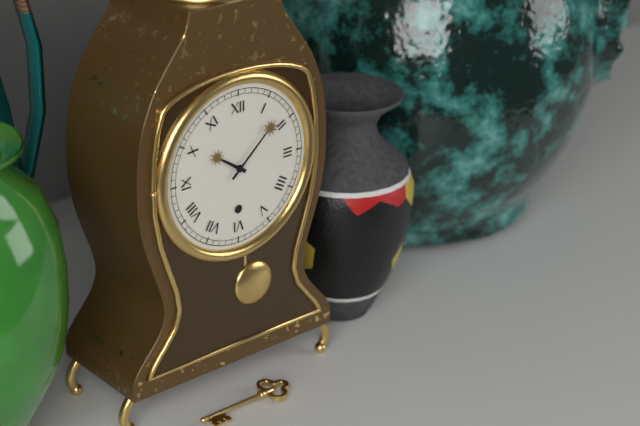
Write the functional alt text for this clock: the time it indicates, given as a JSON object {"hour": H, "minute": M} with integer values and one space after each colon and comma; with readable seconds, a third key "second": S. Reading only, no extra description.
{"hour": 10, "minute": 8}
